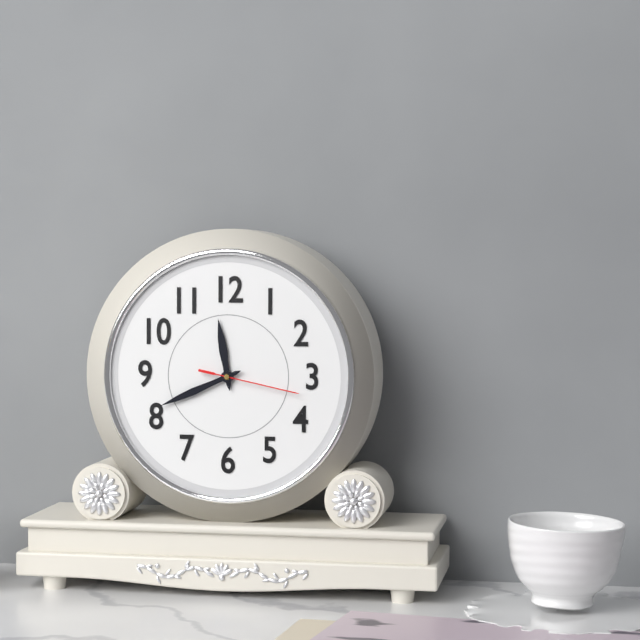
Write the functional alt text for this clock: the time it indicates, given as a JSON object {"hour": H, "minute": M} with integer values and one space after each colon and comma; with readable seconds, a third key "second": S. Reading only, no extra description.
{"hour": 11, "minute": 41, "second": 17}
